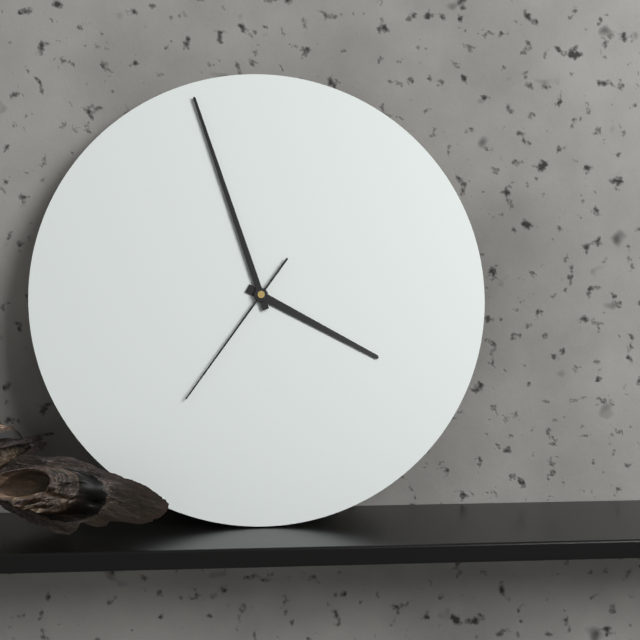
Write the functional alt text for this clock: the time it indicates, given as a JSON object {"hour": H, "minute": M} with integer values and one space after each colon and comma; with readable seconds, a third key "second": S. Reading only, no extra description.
{"hour": 3, "minute": 57, "second": 36}
